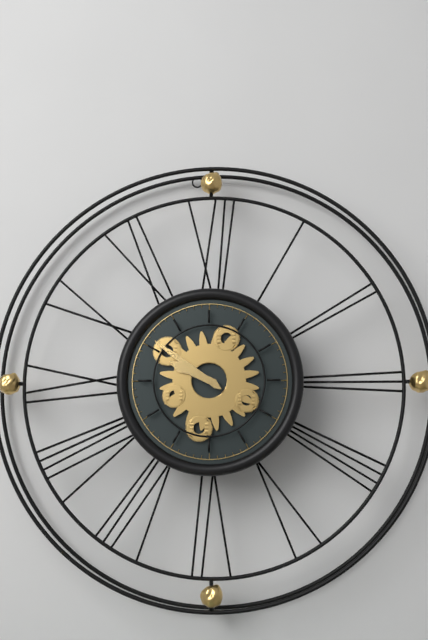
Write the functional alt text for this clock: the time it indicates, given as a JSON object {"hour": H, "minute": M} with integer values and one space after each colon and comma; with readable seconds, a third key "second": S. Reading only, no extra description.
{"hour": 9, "minute": 51}
